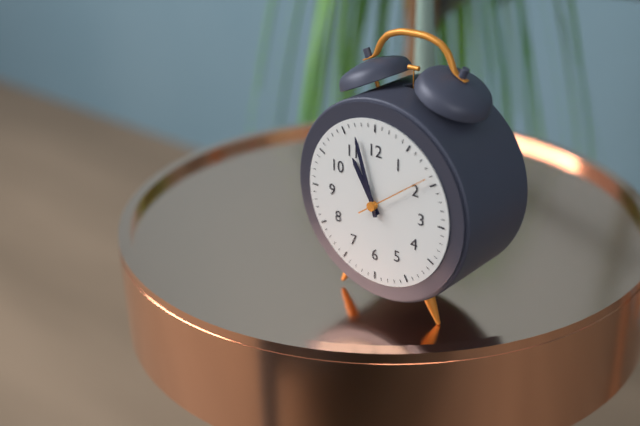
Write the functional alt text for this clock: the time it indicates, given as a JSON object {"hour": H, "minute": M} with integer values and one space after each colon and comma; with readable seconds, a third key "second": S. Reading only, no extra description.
{"hour": 10, "minute": 57, "second": 9}
